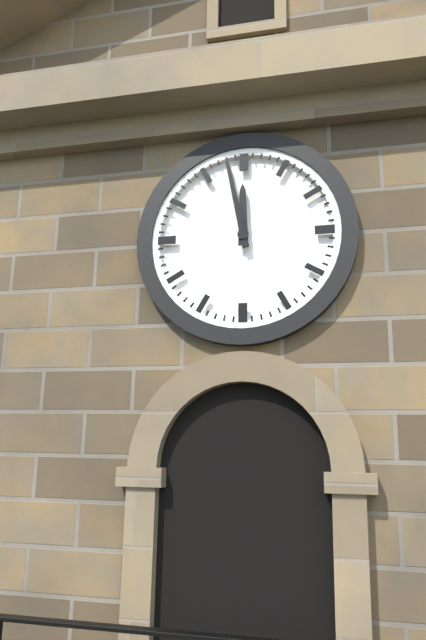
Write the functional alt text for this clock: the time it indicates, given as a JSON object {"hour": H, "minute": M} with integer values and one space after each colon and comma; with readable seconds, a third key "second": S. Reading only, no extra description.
{"hour": 11, "minute": 58}
